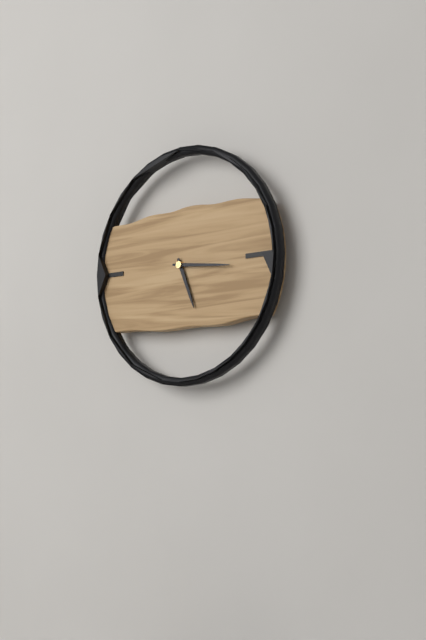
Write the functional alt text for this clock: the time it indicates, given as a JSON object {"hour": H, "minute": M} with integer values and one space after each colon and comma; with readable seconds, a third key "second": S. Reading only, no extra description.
{"hour": 5, "minute": 16}
